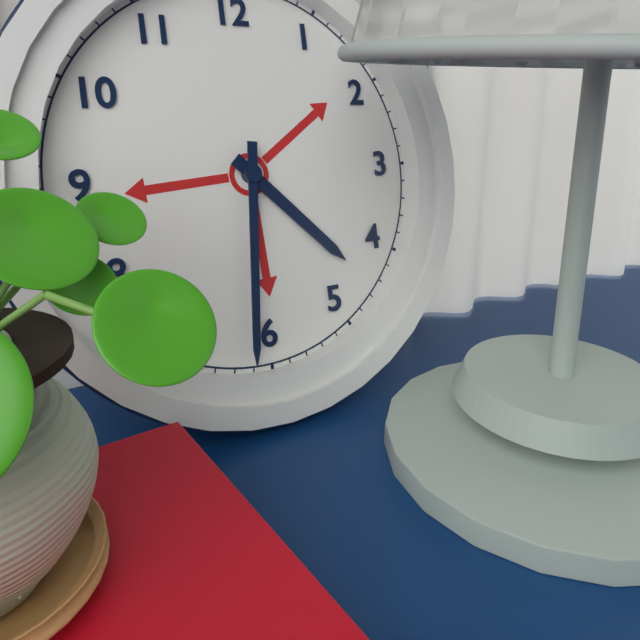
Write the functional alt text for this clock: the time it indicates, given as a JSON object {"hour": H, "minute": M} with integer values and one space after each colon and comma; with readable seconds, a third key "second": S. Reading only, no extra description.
{"hour": 4, "minute": 31}
